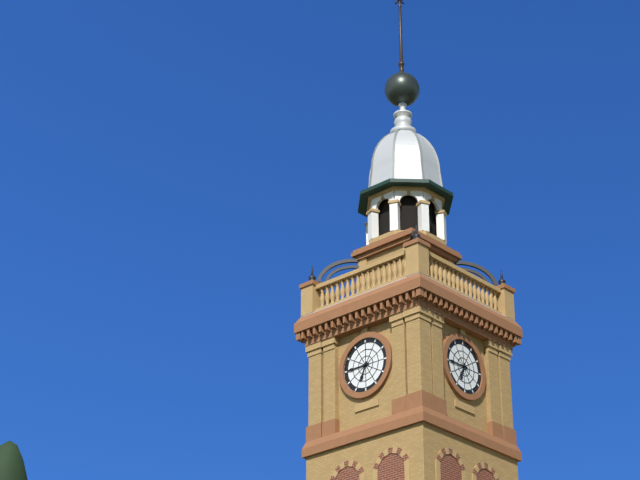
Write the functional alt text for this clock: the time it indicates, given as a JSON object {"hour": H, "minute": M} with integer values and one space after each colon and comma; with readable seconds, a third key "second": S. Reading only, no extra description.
{"hour": 6, "minute": 45}
